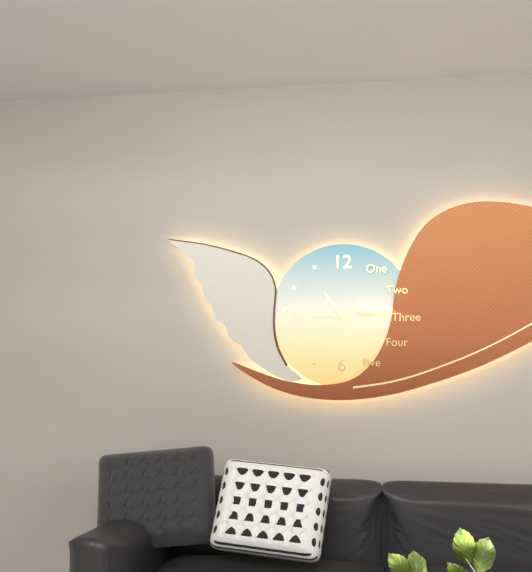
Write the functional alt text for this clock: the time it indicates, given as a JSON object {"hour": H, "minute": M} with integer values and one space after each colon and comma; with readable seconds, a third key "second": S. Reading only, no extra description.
{"hour": 10, "minute": 45}
